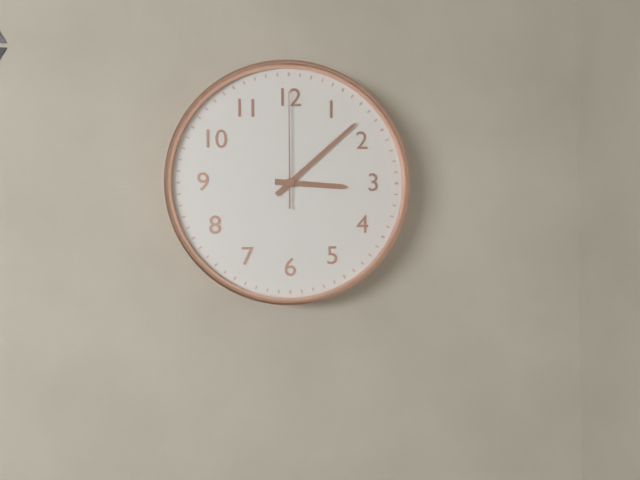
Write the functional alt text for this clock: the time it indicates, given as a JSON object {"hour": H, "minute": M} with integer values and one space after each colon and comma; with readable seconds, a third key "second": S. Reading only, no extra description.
{"hour": 3, "minute": 8, "second": 0}
